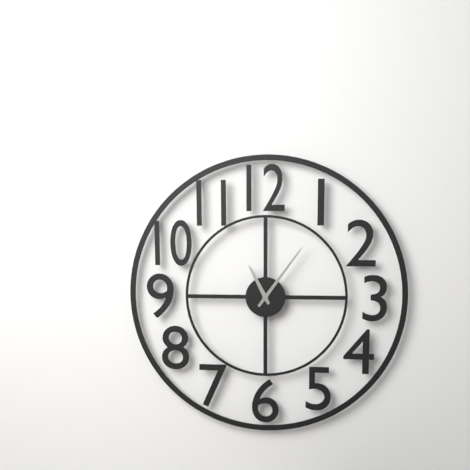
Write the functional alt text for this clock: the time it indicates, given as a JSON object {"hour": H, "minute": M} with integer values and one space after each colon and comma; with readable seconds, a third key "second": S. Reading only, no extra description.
{"hour": 11, "minute": 6}
